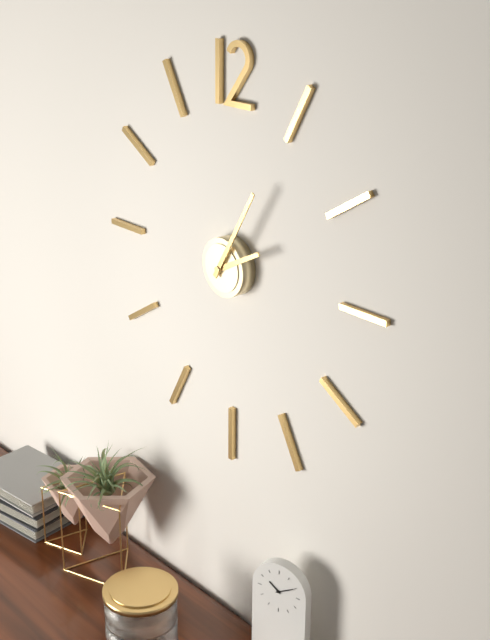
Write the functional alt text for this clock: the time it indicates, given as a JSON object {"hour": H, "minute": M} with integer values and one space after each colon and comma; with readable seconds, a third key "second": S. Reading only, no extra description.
{"hour": 2, "minute": 5}
